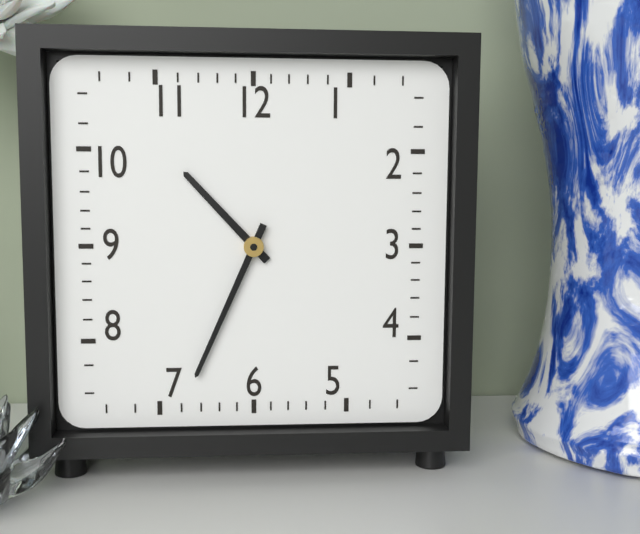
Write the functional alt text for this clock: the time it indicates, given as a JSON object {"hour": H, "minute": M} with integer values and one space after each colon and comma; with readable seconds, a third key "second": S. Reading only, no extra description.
{"hour": 10, "minute": 34}
